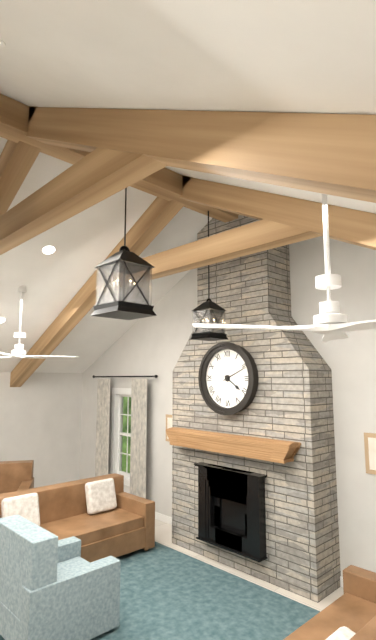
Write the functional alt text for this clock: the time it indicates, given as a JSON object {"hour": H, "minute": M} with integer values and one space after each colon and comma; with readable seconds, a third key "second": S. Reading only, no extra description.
{"hour": 4, "minute": 11}
